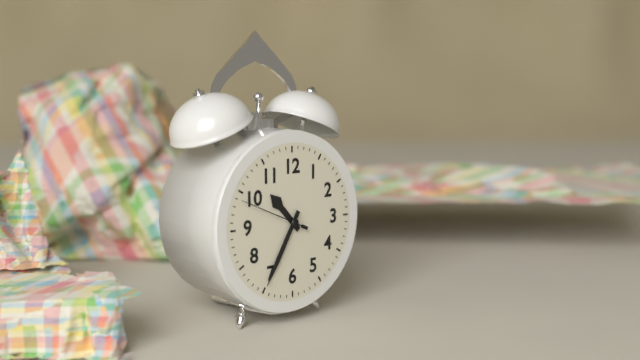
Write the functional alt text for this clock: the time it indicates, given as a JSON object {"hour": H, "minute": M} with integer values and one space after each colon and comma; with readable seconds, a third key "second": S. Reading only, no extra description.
{"hour": 10, "minute": 35, "second": 49}
